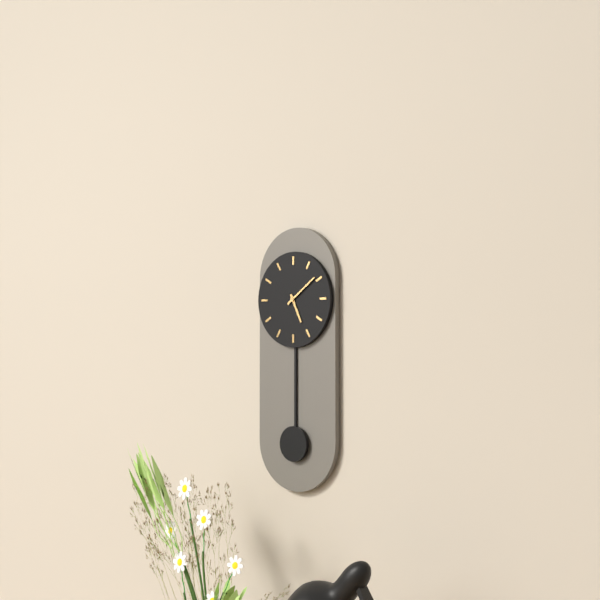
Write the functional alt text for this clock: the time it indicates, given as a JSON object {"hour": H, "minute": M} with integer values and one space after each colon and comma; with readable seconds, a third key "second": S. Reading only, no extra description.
{"hour": 5, "minute": 9}
